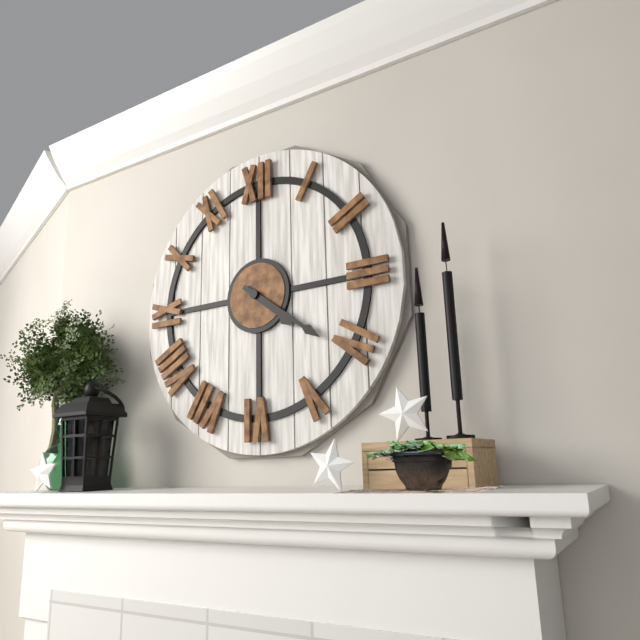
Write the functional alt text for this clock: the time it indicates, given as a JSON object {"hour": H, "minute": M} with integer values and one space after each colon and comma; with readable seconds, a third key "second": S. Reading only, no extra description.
{"hour": 4, "minute": 21}
